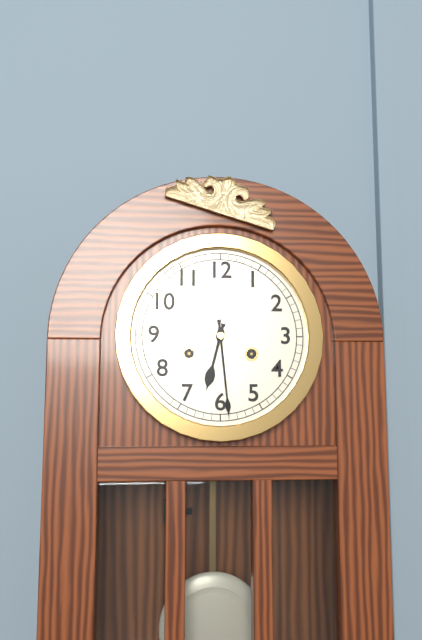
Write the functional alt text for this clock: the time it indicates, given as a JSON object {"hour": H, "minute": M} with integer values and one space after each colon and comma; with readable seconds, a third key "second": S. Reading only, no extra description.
{"hour": 6, "minute": 29}
